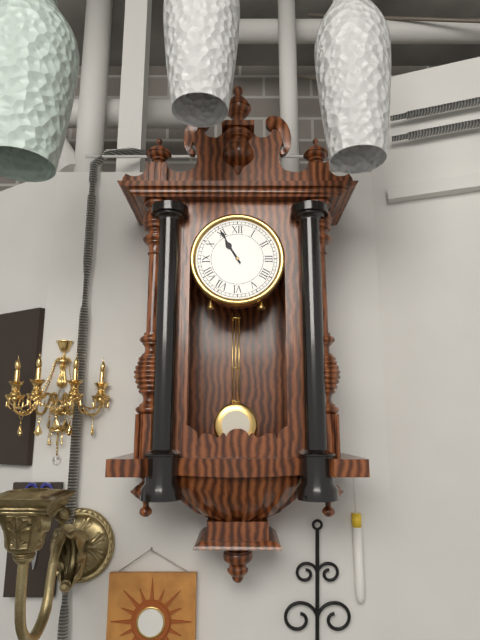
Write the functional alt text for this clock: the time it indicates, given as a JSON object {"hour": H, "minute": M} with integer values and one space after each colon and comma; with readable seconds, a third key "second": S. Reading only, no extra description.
{"hour": 10, "minute": 55}
